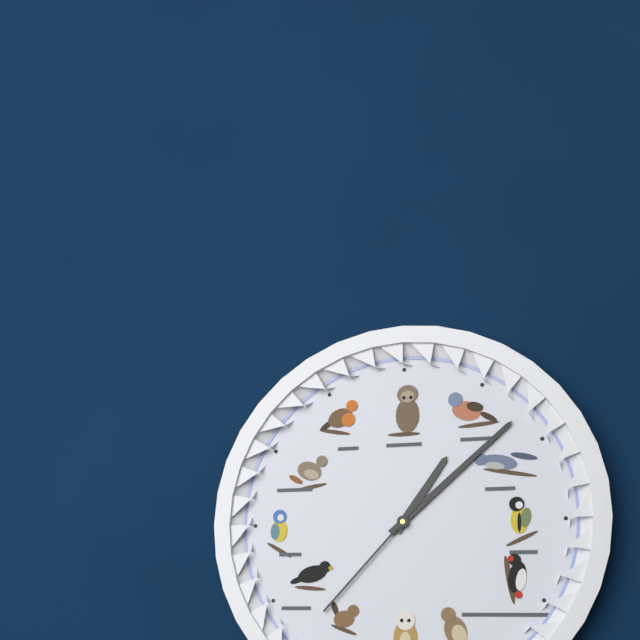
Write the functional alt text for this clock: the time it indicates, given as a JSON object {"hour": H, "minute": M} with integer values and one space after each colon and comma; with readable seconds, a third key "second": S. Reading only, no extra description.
{"hour": 1, "minute": 8, "second": 37}
